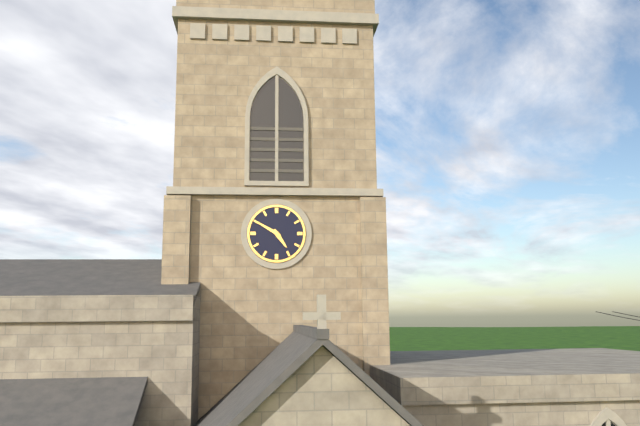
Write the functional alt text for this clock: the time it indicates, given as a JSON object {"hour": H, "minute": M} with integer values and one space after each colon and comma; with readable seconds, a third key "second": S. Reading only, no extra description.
{"hour": 4, "minute": 50}
